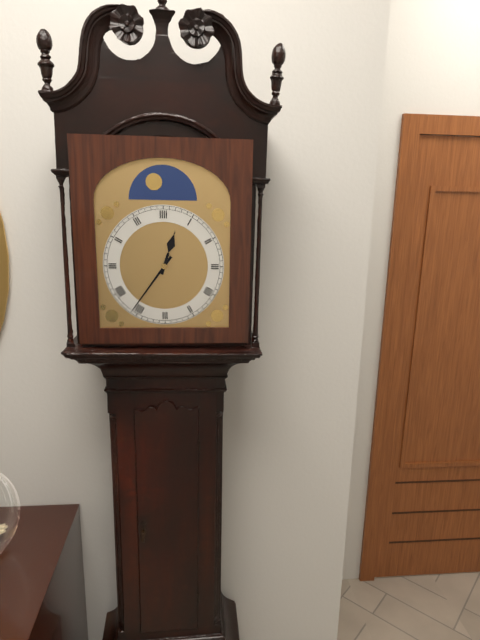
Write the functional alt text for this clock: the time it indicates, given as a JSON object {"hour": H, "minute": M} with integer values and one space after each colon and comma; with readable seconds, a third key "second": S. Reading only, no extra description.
{"hour": 12, "minute": 36}
